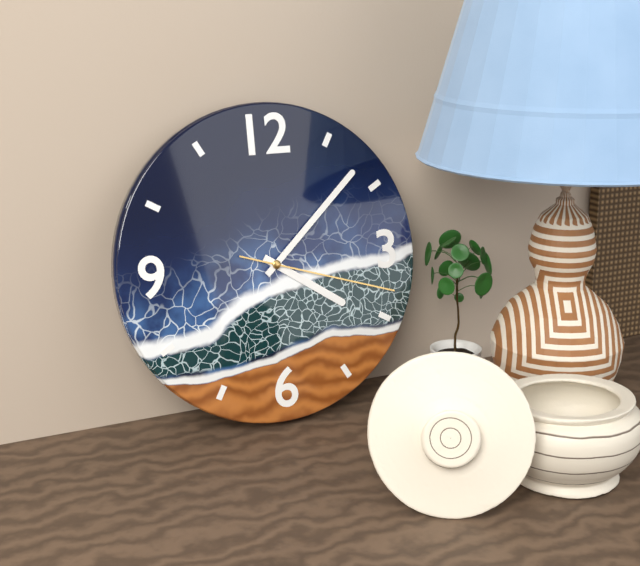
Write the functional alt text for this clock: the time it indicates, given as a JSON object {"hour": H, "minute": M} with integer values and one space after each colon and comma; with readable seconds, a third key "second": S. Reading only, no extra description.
{"hour": 4, "minute": 8, "second": 18}
